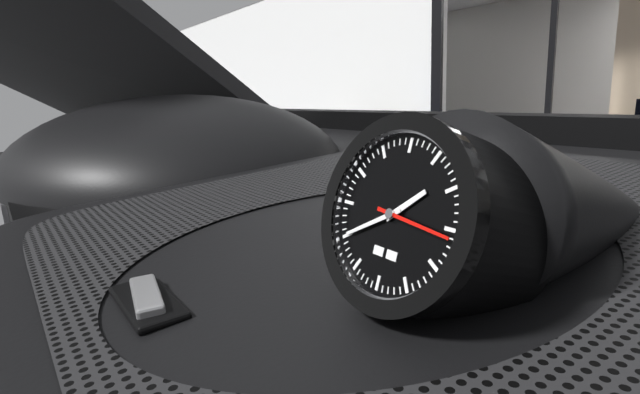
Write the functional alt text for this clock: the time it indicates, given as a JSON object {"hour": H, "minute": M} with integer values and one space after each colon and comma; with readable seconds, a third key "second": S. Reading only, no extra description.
{"hour": 1, "minute": 40, "second": 16}
